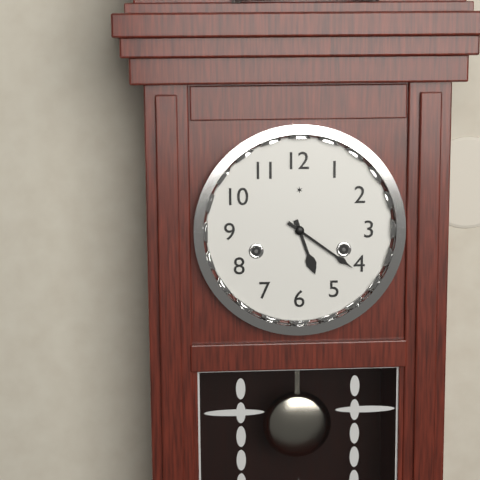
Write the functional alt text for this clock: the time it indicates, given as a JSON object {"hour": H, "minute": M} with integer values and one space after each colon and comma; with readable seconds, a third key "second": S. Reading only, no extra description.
{"hour": 5, "minute": 21}
